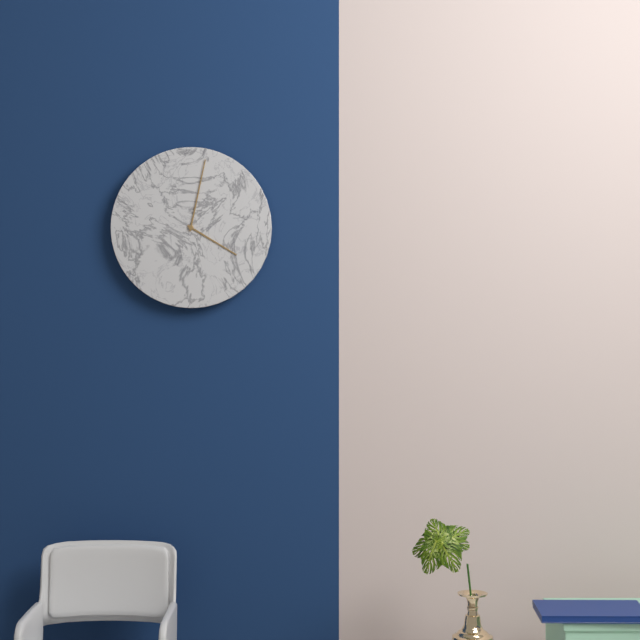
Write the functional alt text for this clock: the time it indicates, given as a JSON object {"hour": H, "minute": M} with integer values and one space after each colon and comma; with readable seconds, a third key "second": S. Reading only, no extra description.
{"hour": 4, "minute": 2}
